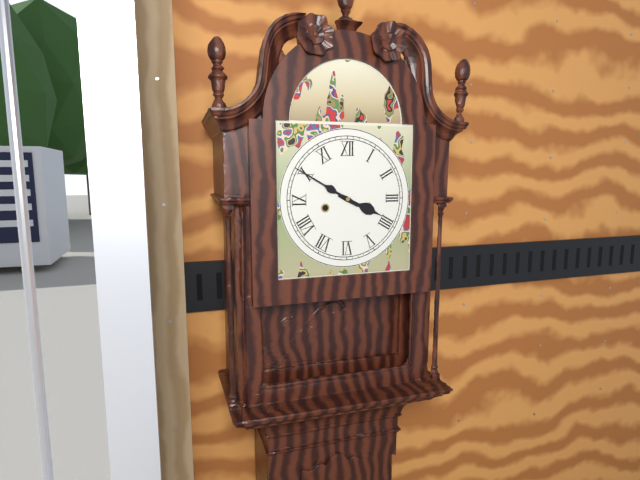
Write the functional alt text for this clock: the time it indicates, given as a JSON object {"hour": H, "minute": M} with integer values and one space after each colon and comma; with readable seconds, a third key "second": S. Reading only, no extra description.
{"hour": 3, "minute": 50}
